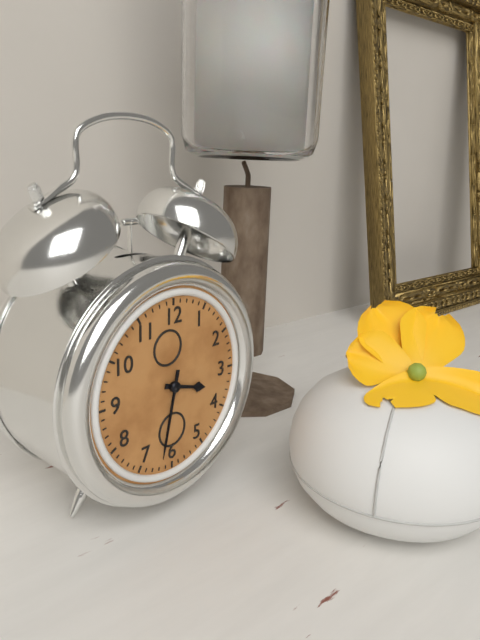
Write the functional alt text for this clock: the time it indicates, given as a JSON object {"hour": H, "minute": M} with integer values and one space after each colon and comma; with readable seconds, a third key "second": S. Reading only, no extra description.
{"hour": 3, "minute": 32}
